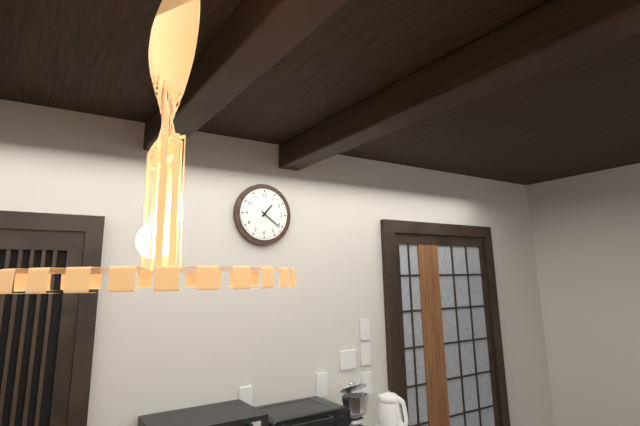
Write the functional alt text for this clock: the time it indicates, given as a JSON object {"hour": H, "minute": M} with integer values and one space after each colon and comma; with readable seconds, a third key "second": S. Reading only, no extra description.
{"hour": 1, "minute": 21}
